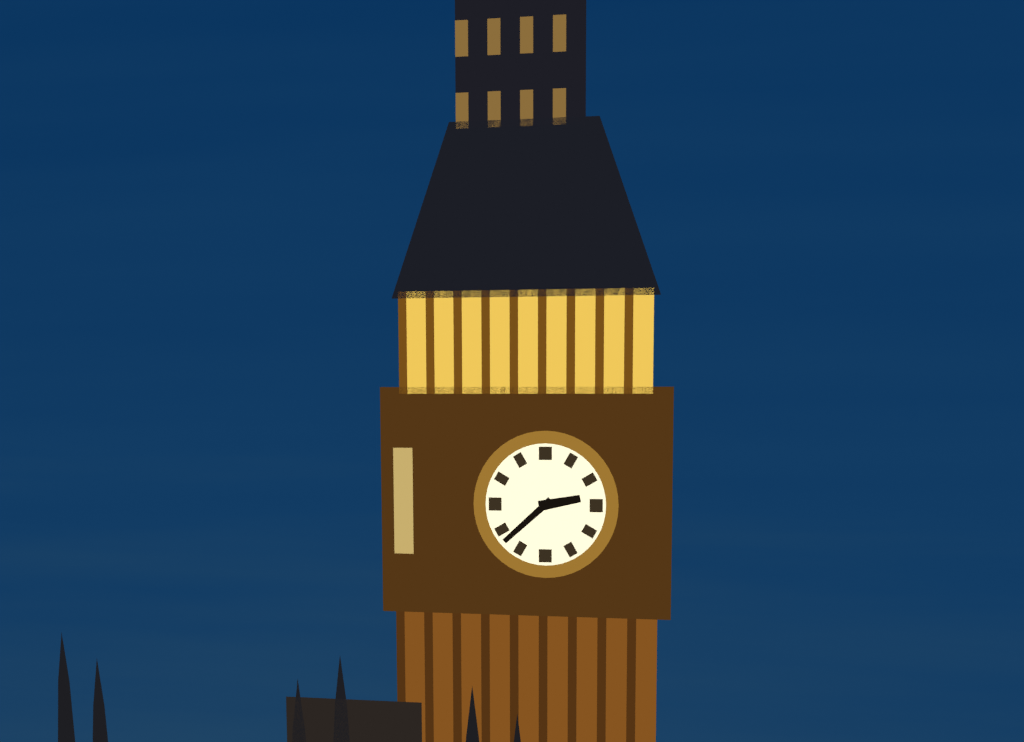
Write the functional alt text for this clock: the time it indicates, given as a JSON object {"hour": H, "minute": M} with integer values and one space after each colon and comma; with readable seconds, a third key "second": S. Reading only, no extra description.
{"hour": 2, "minute": 38}
